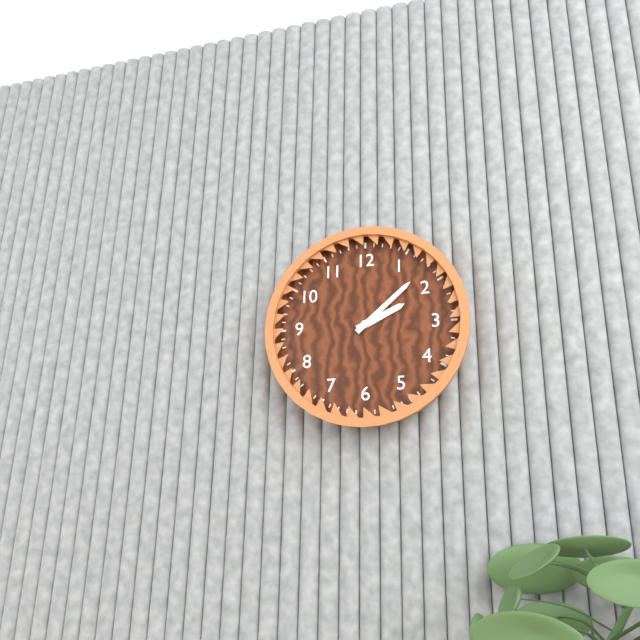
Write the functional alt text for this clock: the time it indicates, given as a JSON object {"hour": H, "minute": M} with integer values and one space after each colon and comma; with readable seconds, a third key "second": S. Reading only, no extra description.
{"hour": 2, "minute": 8}
